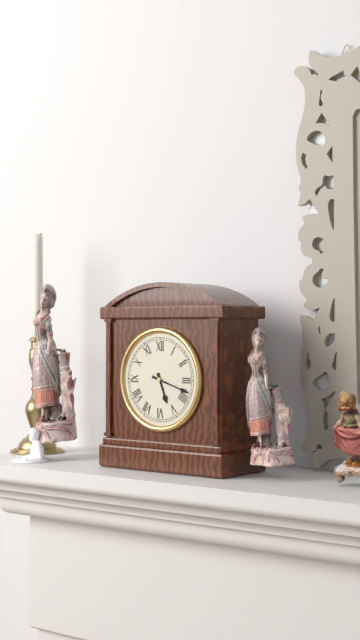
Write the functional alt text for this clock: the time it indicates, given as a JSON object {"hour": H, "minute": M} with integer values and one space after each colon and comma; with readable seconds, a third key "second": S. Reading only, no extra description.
{"hour": 5, "minute": 18}
